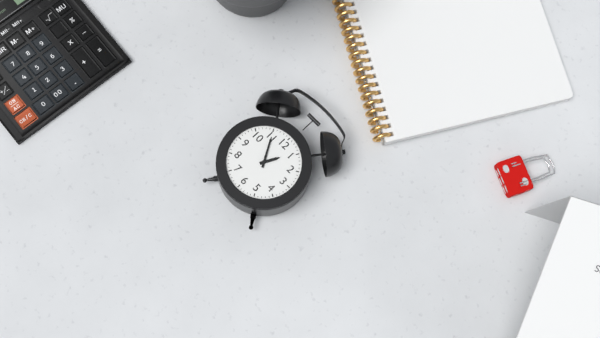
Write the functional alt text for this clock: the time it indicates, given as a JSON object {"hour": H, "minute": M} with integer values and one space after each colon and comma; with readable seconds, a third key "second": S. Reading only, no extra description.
{"hour": 12, "minute": 55}
